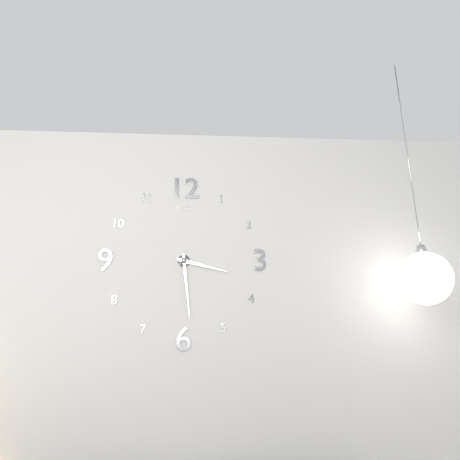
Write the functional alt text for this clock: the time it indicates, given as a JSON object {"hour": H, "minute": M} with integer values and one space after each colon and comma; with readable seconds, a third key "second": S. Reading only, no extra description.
{"hour": 3, "minute": 29}
